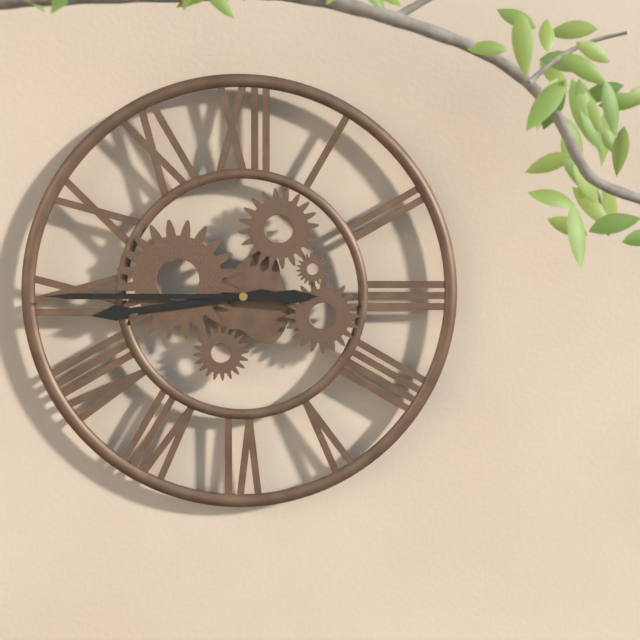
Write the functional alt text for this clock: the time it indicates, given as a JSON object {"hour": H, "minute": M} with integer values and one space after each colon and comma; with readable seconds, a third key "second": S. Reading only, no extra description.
{"hour": 8, "minute": 45}
